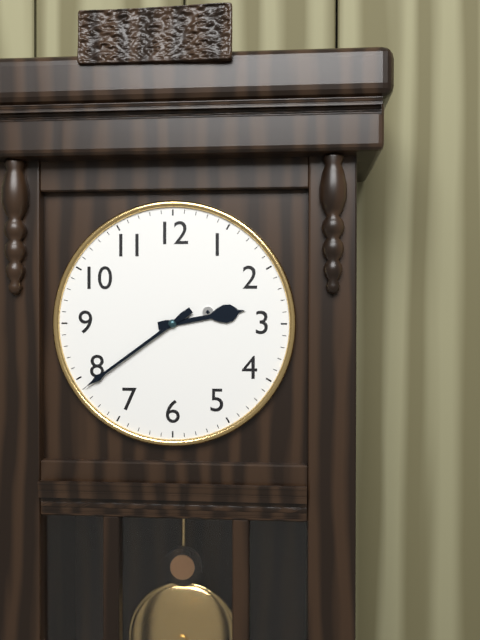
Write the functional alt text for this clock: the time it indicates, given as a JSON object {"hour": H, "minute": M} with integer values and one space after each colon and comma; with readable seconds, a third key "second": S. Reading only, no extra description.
{"hour": 2, "minute": 39}
